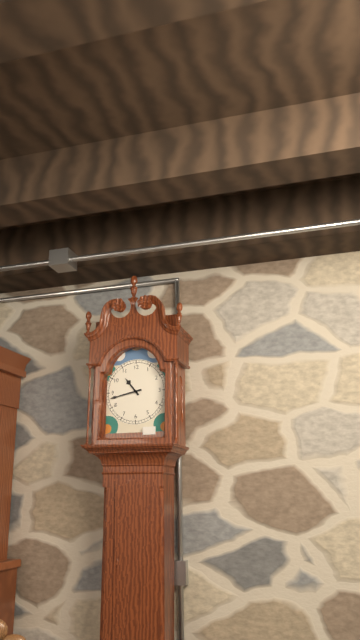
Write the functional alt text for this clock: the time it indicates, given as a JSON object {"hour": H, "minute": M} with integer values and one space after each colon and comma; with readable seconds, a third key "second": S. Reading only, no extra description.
{"hour": 10, "minute": 43}
